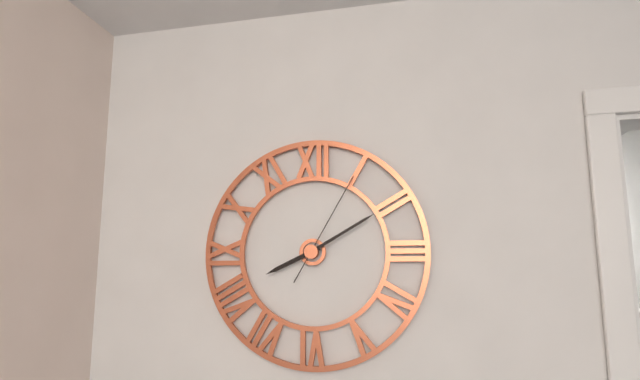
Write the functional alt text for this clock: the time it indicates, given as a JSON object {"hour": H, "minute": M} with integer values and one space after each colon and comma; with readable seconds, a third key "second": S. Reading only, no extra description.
{"hour": 8, "minute": 10, "second": 5}
